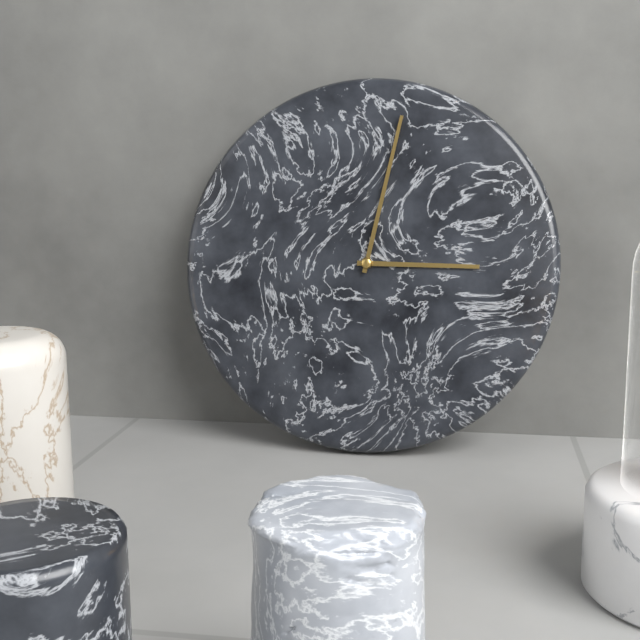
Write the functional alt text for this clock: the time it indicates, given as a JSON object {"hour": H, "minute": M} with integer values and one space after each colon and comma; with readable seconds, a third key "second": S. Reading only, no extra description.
{"hour": 3, "minute": 2}
